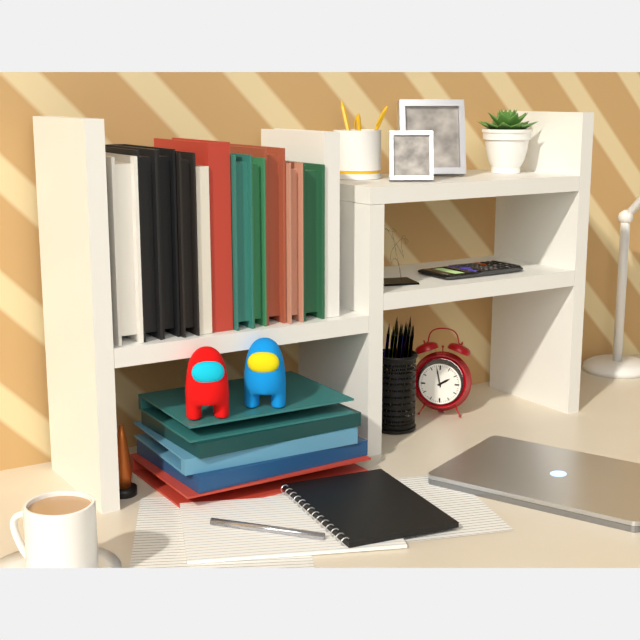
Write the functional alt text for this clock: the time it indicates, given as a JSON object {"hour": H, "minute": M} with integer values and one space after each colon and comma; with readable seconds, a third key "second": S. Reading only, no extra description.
{"hour": 1, "minute": 58}
